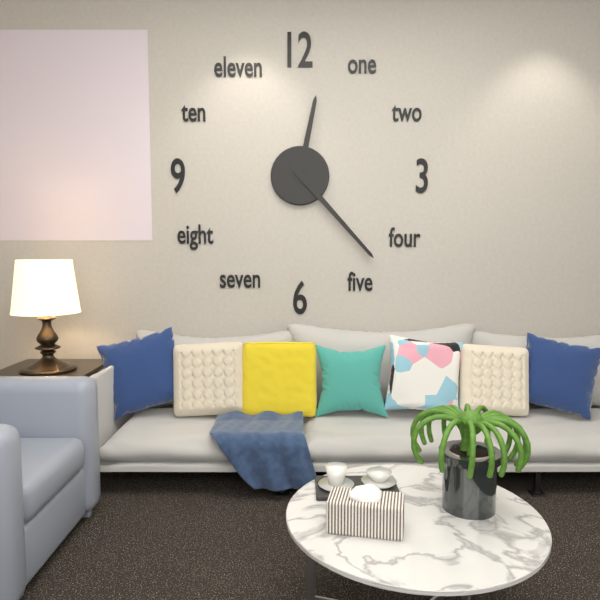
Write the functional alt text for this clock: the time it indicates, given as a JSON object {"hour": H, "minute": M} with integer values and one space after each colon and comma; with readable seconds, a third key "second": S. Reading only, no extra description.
{"hour": 12, "minute": 23}
